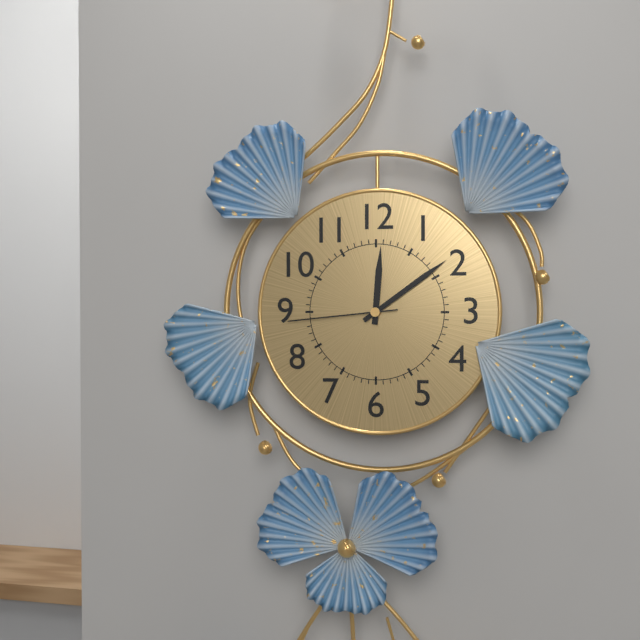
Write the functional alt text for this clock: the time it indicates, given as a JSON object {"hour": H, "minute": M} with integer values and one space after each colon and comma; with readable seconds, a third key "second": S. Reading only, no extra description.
{"hour": 12, "minute": 9, "second": 44}
